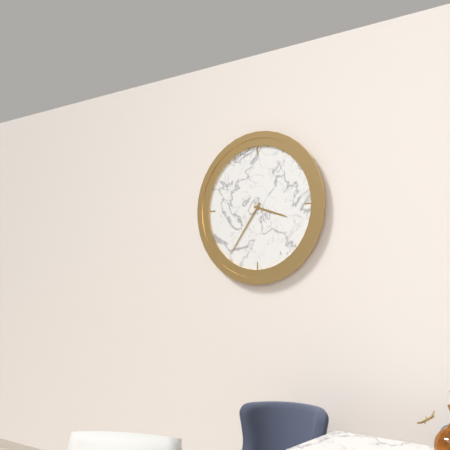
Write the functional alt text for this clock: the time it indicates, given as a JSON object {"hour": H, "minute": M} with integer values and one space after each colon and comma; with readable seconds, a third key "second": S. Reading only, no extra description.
{"hour": 3, "minute": 36}
